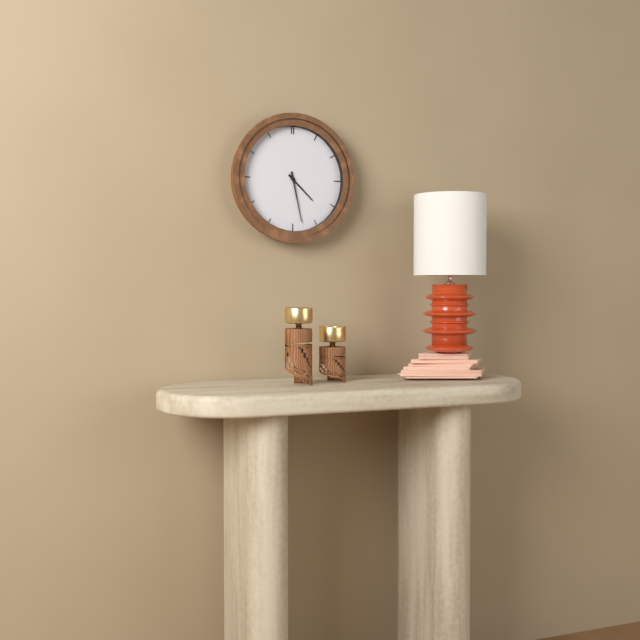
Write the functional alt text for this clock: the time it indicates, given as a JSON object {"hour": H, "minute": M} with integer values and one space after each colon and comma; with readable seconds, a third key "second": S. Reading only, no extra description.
{"hour": 4, "minute": 28}
